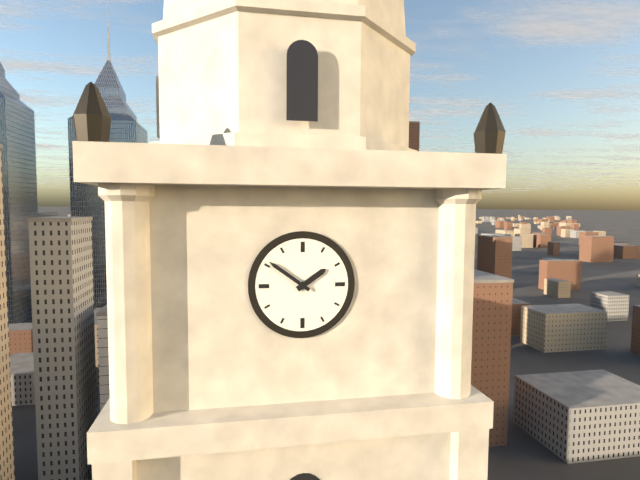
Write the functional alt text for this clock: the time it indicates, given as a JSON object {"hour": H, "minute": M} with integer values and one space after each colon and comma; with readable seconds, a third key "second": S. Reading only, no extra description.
{"hour": 1, "minute": 51}
